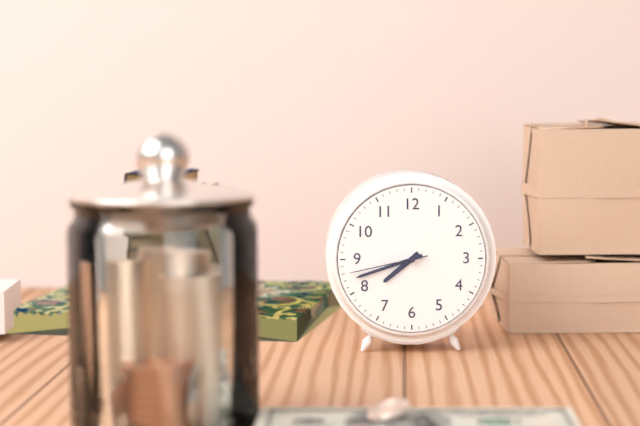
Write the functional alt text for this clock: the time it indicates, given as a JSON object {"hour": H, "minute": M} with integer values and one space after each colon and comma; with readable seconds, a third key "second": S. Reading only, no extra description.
{"hour": 7, "minute": 42, "second": 43}
